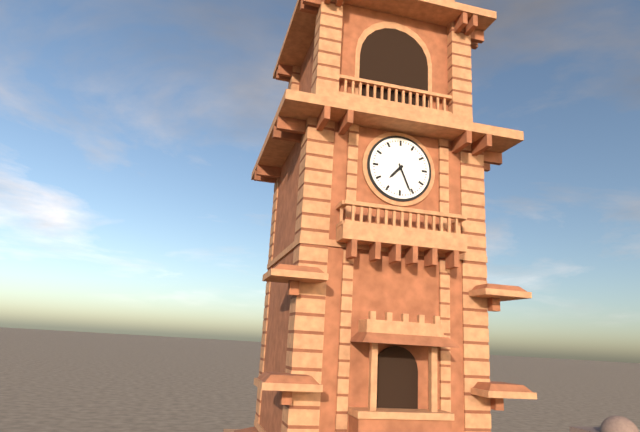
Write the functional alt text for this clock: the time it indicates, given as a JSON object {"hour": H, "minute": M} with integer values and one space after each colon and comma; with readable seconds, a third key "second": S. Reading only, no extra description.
{"hour": 7, "minute": 26}
